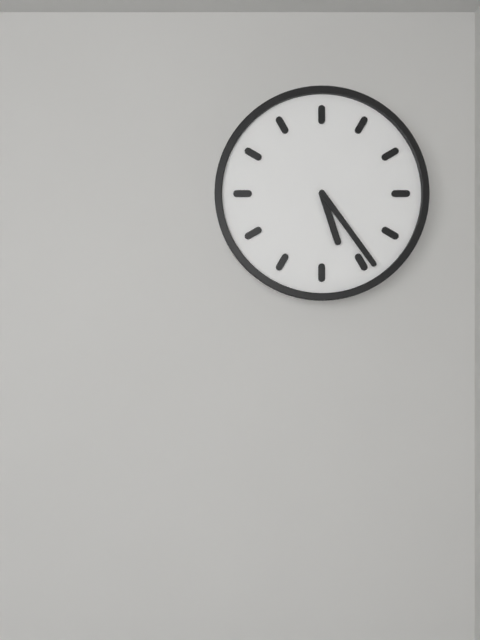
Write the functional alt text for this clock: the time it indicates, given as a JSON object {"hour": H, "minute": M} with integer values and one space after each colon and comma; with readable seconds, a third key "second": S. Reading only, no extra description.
{"hour": 5, "minute": 24}
